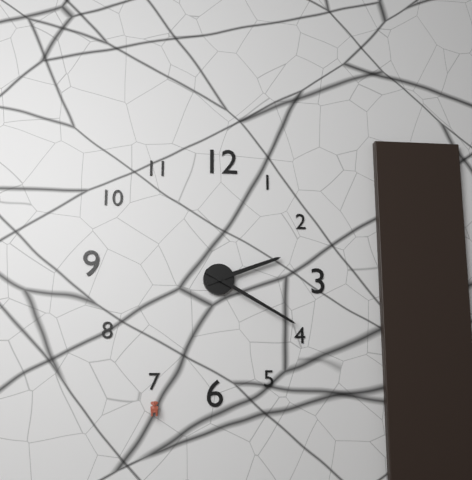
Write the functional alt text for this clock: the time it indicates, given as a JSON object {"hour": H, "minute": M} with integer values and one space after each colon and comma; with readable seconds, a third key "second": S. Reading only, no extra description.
{"hour": 2, "minute": 20}
